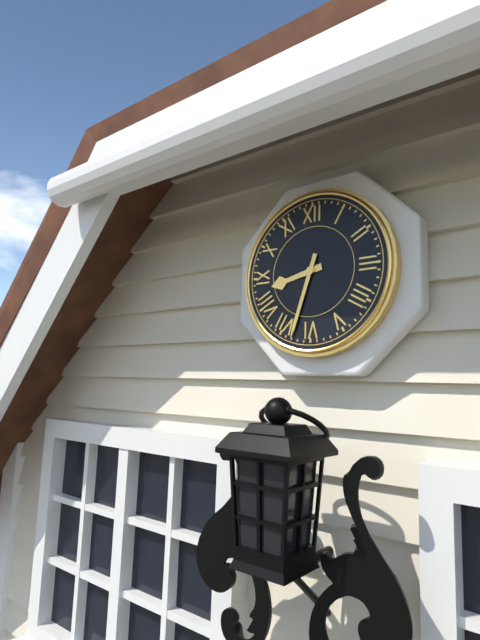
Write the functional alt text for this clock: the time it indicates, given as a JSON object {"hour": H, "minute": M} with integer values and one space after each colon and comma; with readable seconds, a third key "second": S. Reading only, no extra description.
{"hour": 8, "minute": 33}
